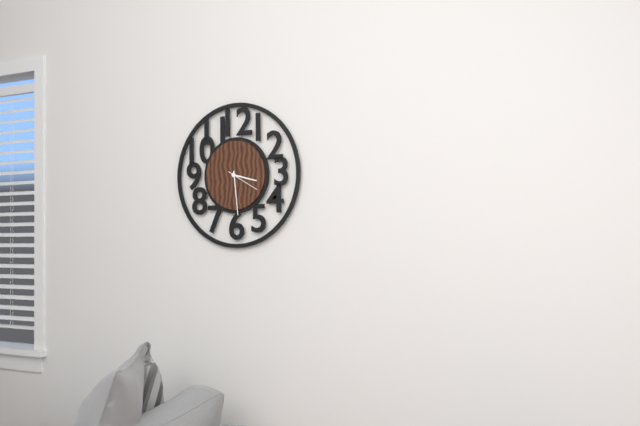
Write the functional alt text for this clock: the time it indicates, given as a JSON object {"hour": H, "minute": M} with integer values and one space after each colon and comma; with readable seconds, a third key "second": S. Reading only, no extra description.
{"hour": 3, "minute": 29}
